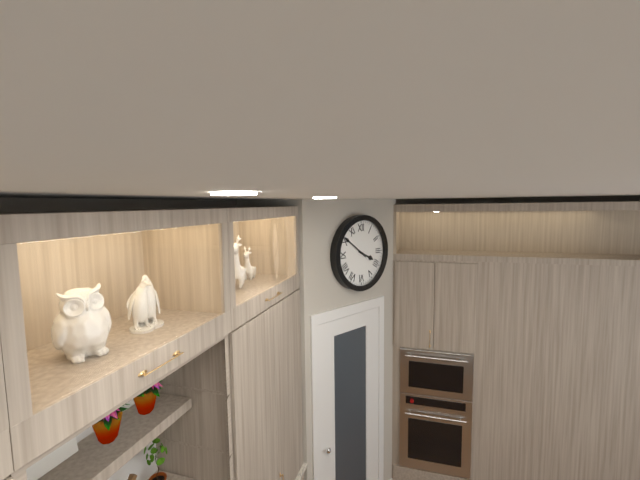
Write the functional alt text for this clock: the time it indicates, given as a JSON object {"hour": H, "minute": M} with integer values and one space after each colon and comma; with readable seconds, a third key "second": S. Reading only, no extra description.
{"hour": 3, "minute": 51}
